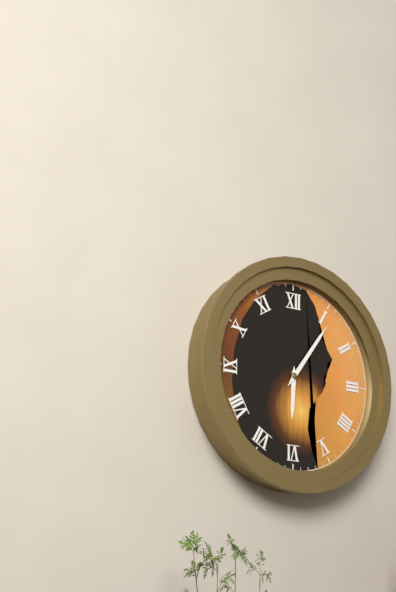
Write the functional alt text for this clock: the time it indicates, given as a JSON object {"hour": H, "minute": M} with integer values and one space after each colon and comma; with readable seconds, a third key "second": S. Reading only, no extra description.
{"hour": 6, "minute": 6}
